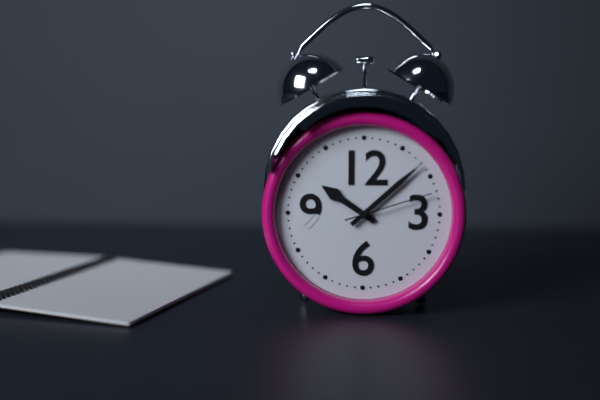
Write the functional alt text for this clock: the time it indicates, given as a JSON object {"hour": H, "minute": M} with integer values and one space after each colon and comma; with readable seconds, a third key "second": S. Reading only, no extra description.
{"hour": 10, "minute": 8, "second": 12}
